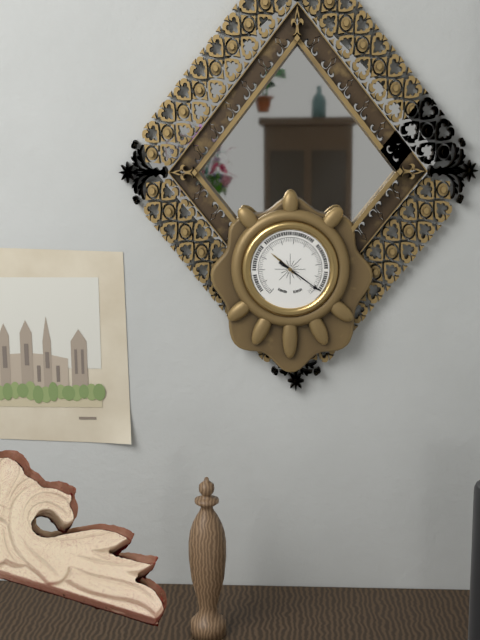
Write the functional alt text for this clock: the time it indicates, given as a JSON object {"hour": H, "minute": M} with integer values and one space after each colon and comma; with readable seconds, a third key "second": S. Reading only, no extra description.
{"hour": 10, "minute": 21}
